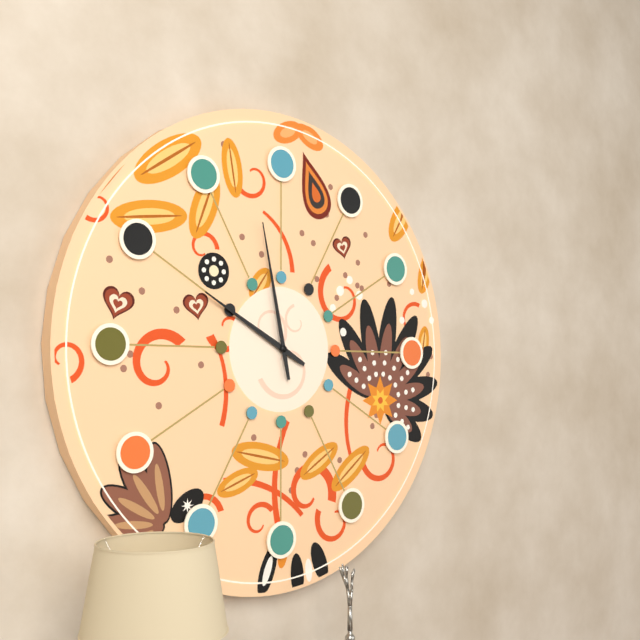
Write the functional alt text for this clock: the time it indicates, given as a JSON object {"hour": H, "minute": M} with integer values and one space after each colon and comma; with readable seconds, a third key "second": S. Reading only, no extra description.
{"hour": 9, "minute": 58}
